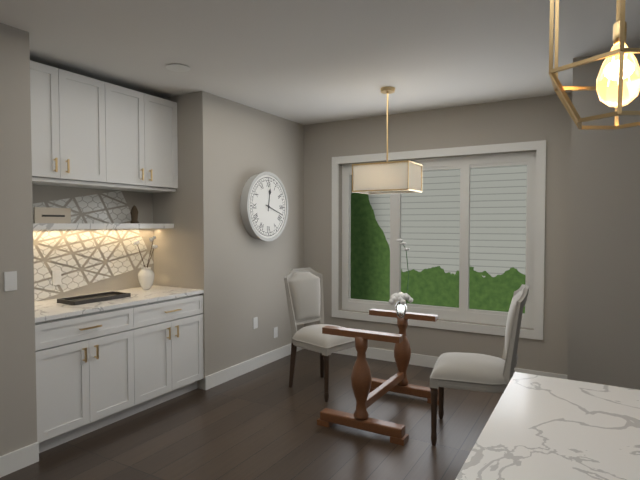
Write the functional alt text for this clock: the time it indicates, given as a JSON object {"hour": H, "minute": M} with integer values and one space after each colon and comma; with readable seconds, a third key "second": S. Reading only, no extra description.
{"hour": 12, "minute": 18}
